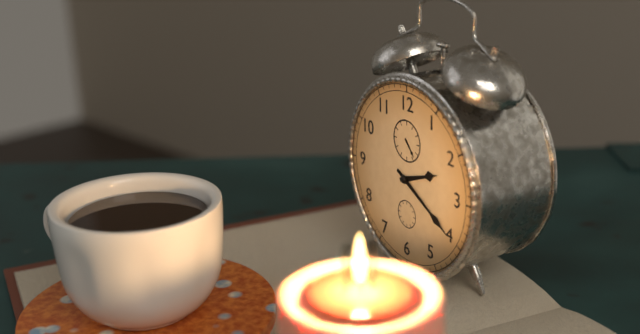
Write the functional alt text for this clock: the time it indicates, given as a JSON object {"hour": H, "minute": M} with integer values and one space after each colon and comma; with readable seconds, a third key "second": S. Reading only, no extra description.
{"hour": 2, "minute": 20}
